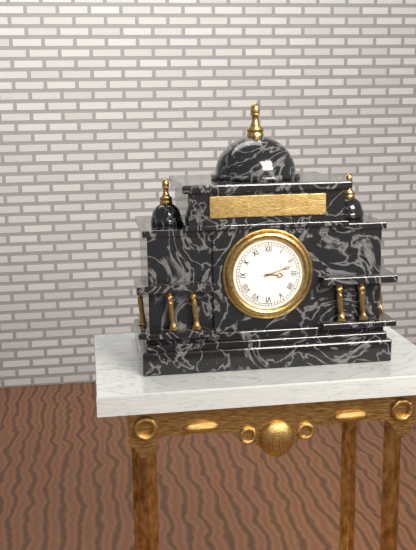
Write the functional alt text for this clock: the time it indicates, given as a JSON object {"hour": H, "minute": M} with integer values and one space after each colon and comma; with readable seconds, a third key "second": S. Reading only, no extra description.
{"hour": 3, "minute": 12}
